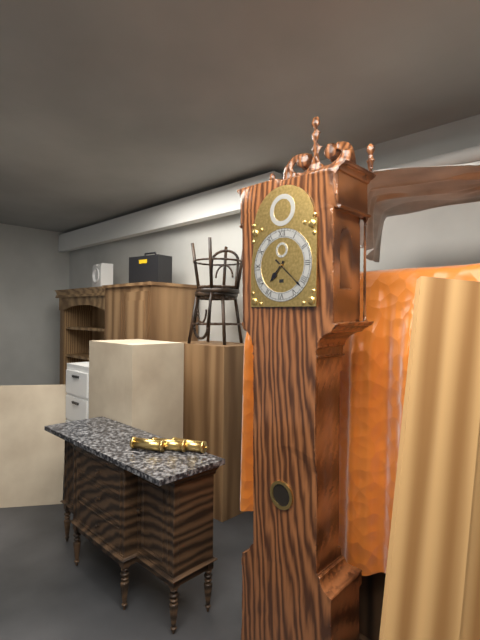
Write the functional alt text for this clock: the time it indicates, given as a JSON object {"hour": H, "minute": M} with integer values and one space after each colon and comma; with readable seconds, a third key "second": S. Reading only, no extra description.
{"hour": 7, "minute": 22}
